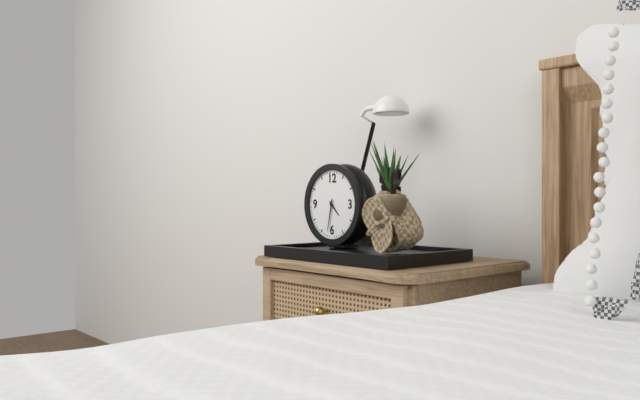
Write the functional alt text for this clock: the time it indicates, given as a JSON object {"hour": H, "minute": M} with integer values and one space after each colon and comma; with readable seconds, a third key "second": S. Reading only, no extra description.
{"hour": 4, "minute": 32}
